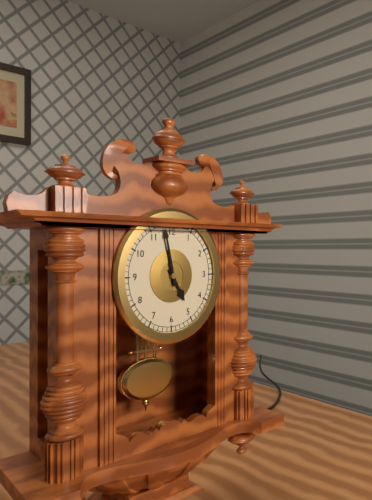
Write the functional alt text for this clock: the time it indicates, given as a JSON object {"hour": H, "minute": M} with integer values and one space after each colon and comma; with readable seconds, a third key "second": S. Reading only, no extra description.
{"hour": 4, "minute": 58}
